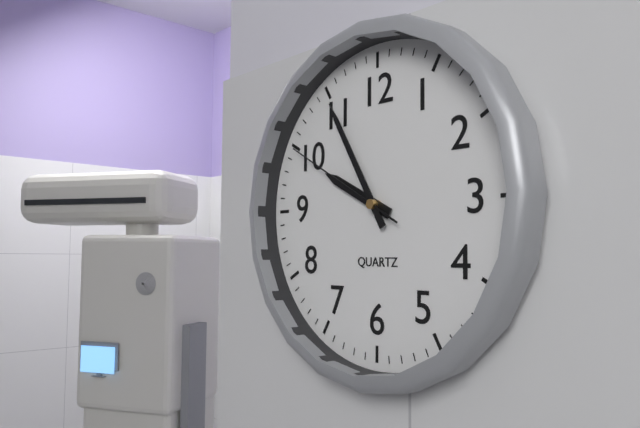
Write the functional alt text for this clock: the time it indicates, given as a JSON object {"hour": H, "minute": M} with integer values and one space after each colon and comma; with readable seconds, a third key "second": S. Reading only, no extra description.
{"hour": 9, "minute": 55, "second": 50}
